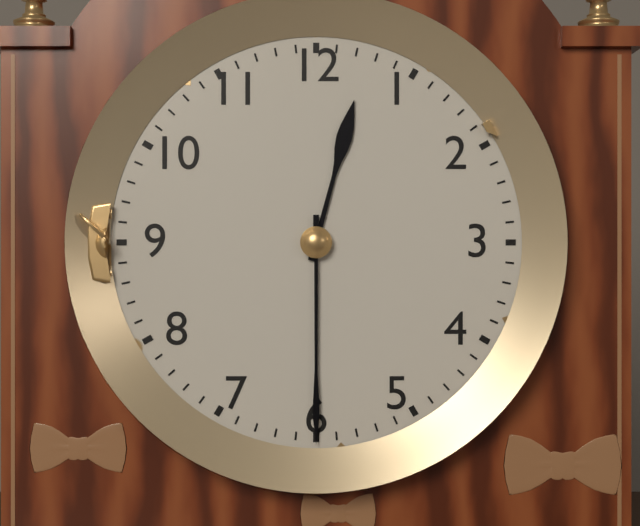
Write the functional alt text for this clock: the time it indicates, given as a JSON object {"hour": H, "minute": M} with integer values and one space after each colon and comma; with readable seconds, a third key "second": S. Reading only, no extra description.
{"hour": 12, "minute": 30}
